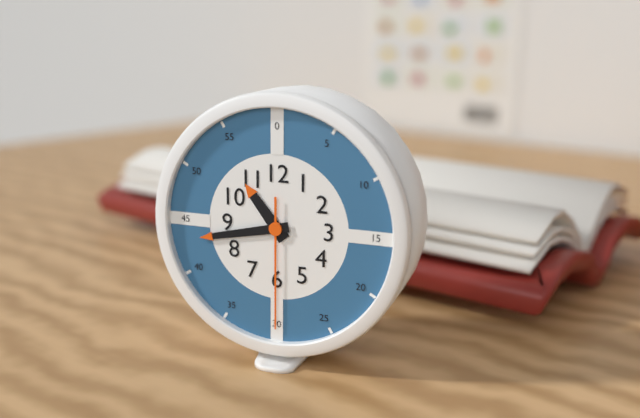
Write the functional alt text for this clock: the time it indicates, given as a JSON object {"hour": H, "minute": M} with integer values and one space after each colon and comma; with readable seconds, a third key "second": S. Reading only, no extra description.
{"hour": 10, "minute": 43, "second": 30}
